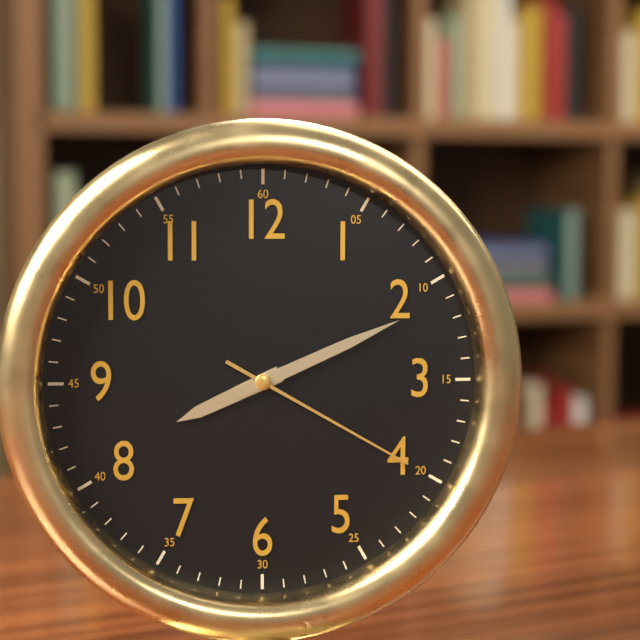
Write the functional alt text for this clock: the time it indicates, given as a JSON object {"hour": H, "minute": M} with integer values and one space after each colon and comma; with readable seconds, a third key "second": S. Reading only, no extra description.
{"hour": 8, "minute": 11, "second": 20}
